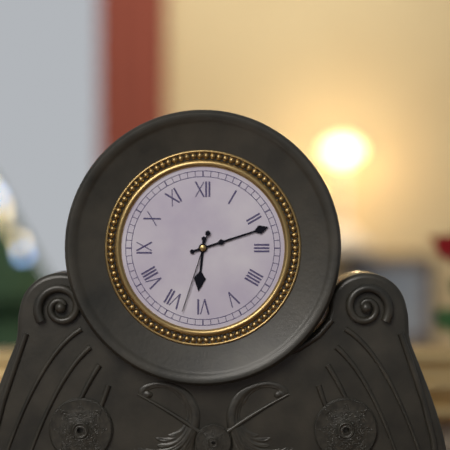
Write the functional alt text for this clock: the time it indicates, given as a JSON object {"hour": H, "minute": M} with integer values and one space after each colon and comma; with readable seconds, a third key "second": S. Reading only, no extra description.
{"hour": 6, "minute": 12, "second": 33}
